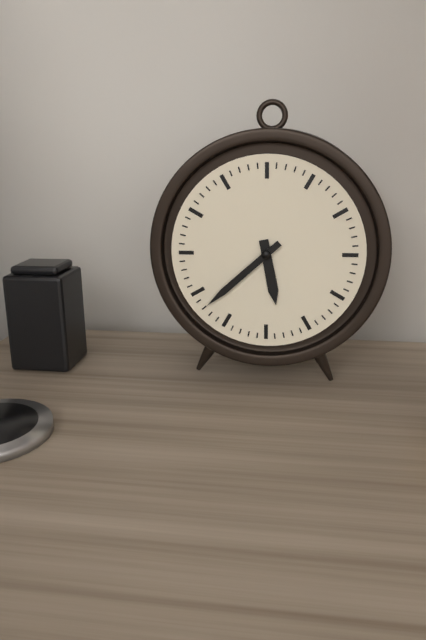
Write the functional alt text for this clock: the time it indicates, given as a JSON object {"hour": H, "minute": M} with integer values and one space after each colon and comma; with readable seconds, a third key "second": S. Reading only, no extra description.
{"hour": 5, "minute": 38}
